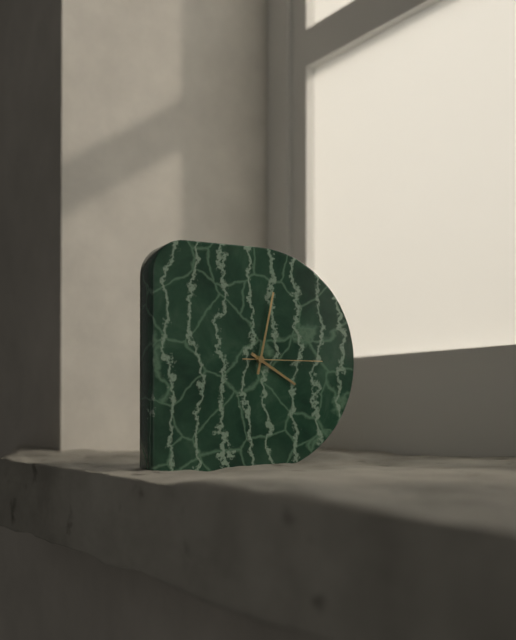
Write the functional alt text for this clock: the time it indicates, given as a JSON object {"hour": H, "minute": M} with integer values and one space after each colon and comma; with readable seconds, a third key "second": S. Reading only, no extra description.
{"hour": 4, "minute": 2, "second": 15}
